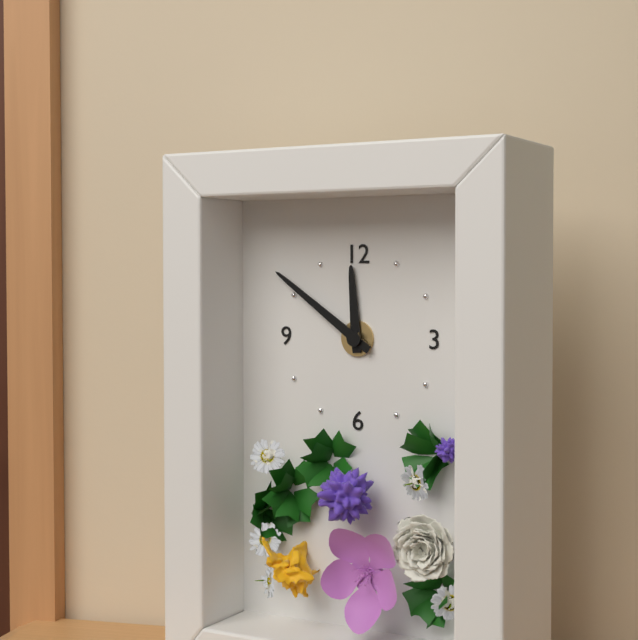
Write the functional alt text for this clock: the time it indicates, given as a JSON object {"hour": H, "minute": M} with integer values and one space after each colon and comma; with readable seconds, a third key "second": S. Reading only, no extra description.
{"hour": 11, "minute": 51}
